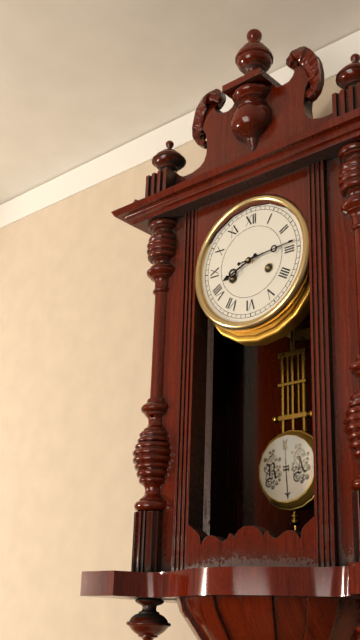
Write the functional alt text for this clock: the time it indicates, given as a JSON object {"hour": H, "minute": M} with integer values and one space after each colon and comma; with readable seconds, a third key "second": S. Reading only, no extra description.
{"hour": 8, "minute": 14}
